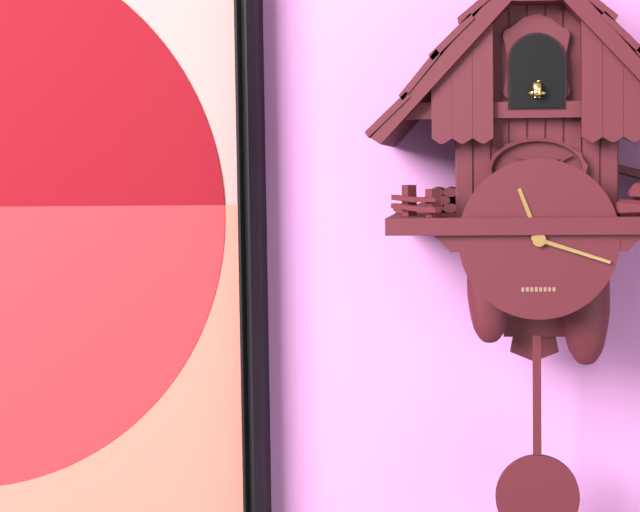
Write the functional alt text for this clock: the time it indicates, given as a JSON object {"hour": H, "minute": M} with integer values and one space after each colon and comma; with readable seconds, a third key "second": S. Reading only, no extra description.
{"hour": 11, "minute": 18}
